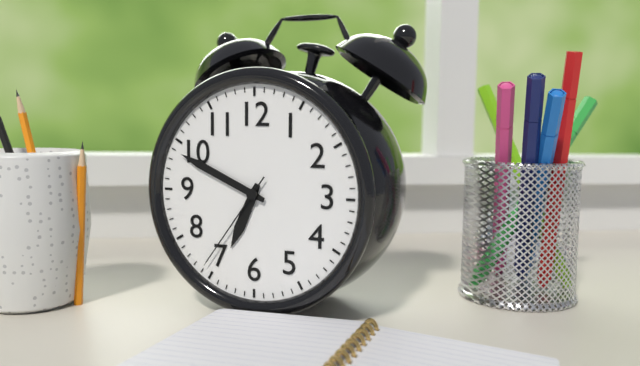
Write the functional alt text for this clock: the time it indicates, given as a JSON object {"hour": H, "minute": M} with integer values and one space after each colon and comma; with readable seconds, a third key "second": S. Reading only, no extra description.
{"hour": 6, "minute": 49, "second": 36}
